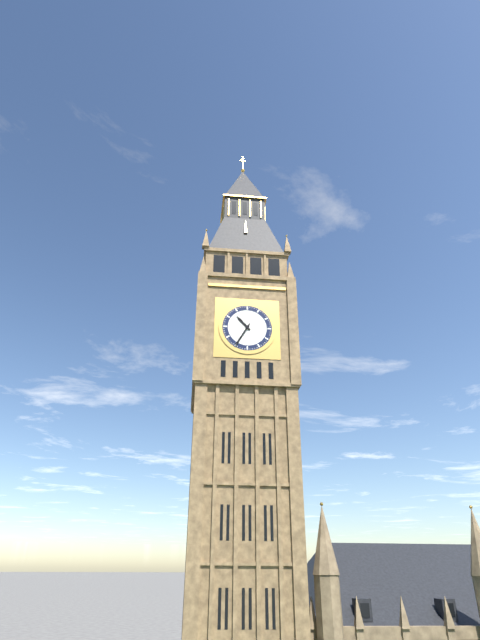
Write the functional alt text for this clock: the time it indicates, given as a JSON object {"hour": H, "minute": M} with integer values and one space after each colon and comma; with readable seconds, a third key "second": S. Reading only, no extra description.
{"hour": 10, "minute": 35}
